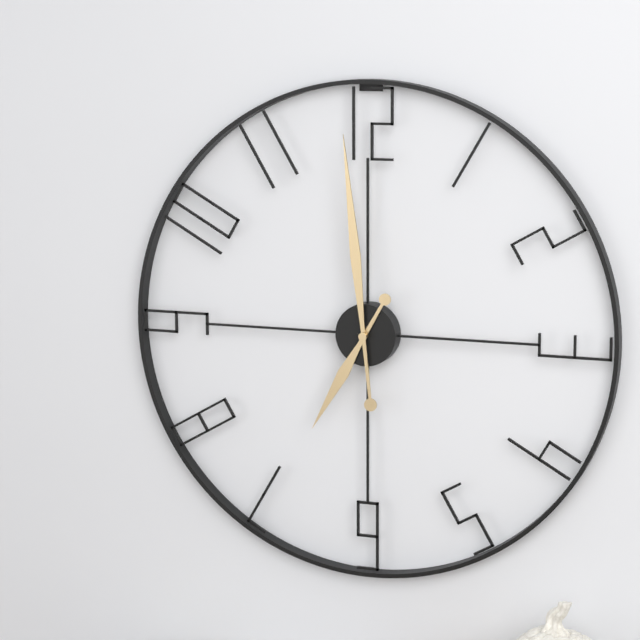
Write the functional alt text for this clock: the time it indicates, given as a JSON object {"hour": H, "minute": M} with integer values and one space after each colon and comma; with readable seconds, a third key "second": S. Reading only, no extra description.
{"hour": 6, "minute": 59}
